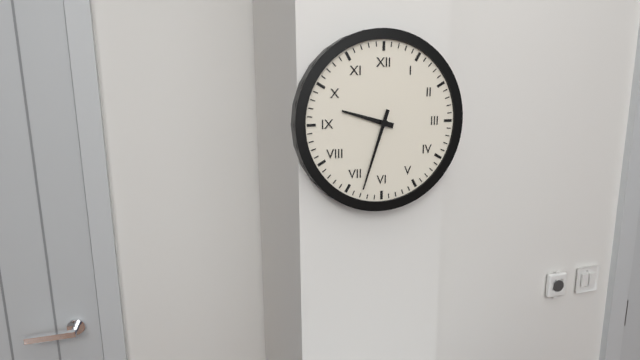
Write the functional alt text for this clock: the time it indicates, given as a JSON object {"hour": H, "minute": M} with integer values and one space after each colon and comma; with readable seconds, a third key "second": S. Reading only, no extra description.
{"hour": 9, "minute": 33}
